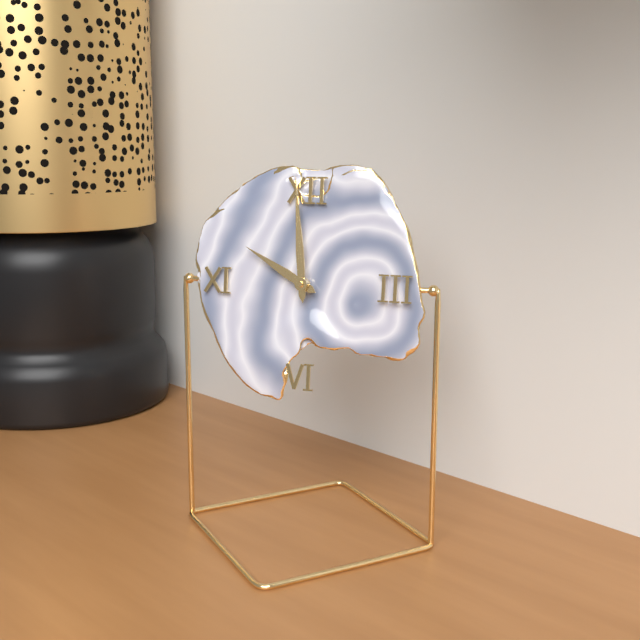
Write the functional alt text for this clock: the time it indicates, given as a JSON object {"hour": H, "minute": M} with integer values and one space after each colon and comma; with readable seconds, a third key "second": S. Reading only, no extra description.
{"hour": 9, "minute": 59}
